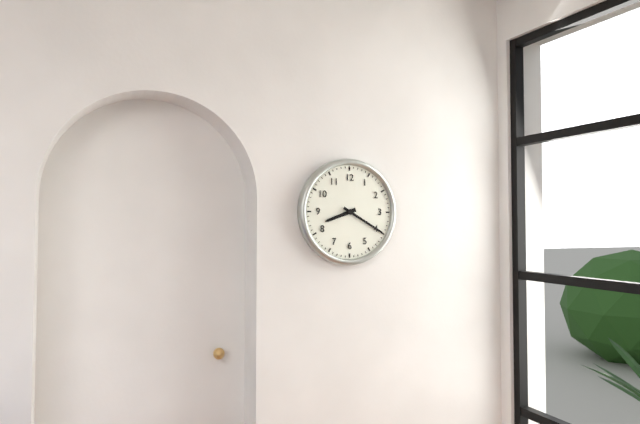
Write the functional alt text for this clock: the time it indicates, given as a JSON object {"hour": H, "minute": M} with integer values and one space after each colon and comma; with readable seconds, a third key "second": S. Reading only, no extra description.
{"hour": 8, "minute": 20}
